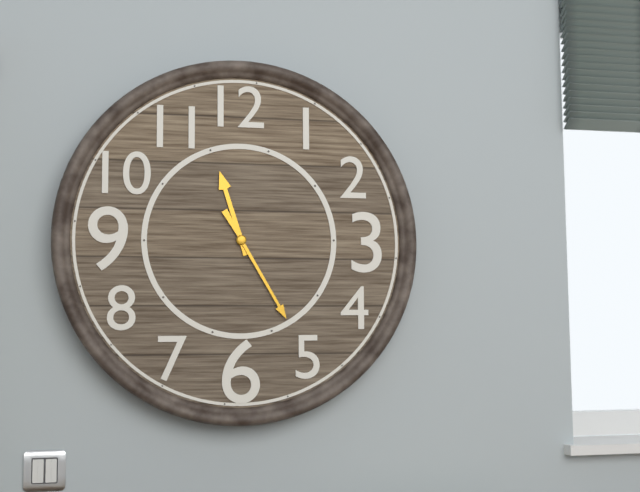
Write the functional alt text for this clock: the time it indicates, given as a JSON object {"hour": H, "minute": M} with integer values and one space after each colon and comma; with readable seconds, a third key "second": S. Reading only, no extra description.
{"hour": 11, "minute": 25}
